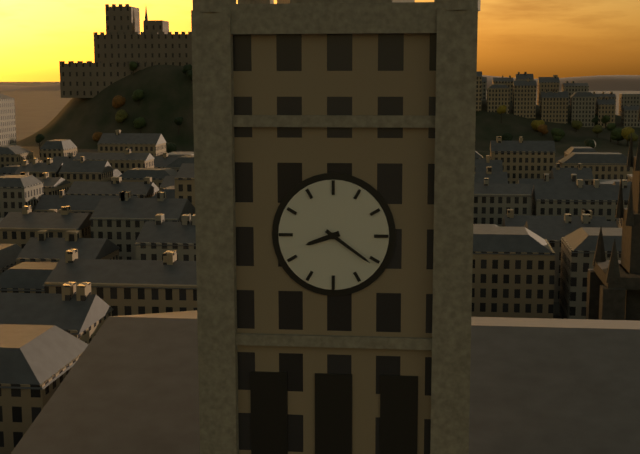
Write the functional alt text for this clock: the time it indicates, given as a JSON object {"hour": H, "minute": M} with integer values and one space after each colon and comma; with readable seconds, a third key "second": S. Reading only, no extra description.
{"hour": 8, "minute": 21}
